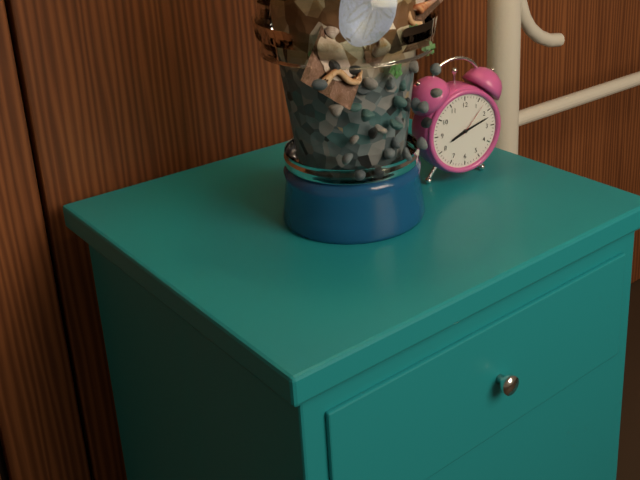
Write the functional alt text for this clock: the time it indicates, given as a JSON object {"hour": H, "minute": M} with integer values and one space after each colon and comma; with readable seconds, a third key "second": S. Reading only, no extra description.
{"hour": 8, "minute": 12}
